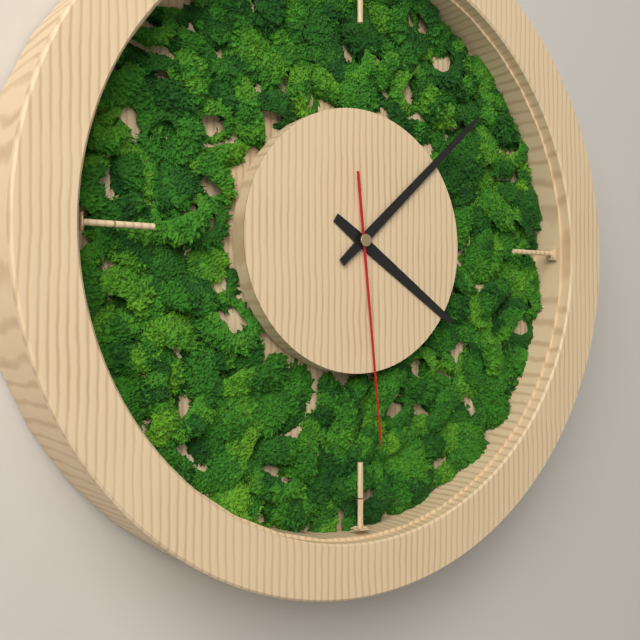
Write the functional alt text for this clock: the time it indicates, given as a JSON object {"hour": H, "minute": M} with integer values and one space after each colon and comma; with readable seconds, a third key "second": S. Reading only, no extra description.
{"hour": 4, "minute": 8, "second": 29}
